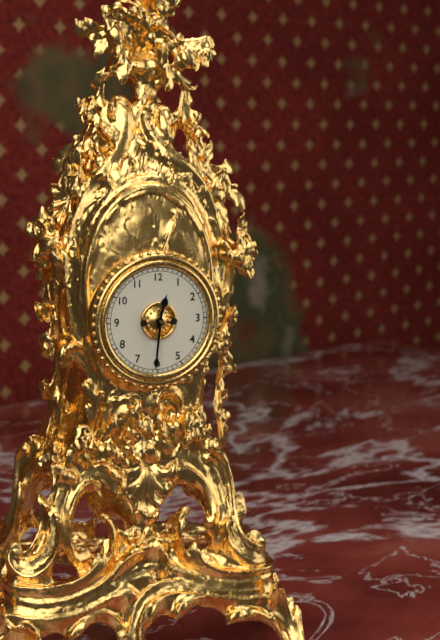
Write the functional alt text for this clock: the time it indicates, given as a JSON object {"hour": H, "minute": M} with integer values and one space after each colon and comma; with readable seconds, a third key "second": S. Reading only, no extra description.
{"hour": 12, "minute": 31}
